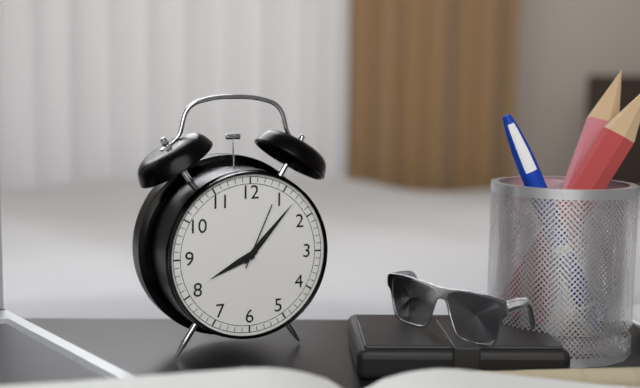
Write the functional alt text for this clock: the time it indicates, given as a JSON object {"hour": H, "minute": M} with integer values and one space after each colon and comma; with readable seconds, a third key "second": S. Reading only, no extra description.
{"hour": 8, "minute": 7, "second": 4}
